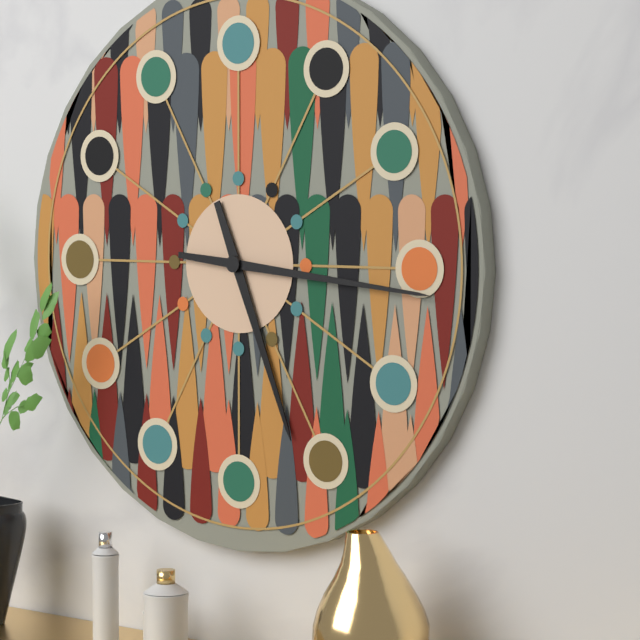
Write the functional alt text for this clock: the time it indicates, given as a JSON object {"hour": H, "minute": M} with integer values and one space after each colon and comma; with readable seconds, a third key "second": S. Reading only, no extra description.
{"hour": 5, "minute": 16}
